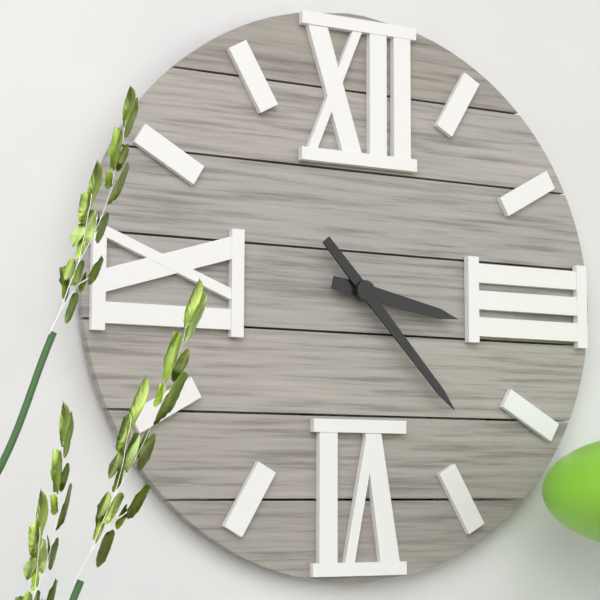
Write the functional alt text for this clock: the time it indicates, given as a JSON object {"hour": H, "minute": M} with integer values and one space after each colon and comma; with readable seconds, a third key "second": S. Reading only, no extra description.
{"hour": 3, "minute": 23}
